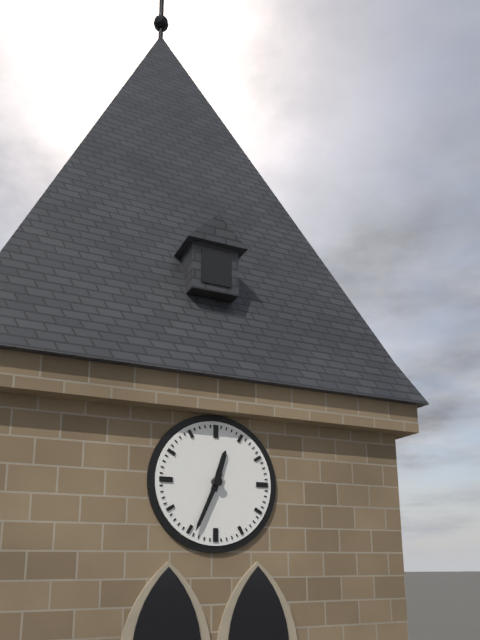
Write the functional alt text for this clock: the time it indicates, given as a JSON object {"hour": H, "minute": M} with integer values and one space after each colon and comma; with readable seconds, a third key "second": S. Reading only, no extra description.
{"hour": 12, "minute": 34}
